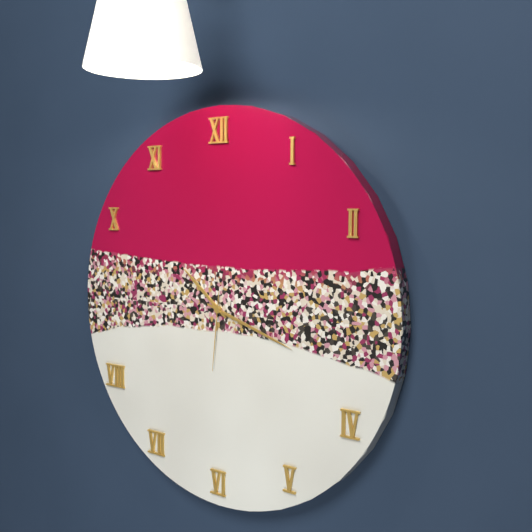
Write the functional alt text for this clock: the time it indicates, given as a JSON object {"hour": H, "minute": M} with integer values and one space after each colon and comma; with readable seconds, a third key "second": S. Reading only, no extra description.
{"hour": 10, "minute": 18, "second": 31}
